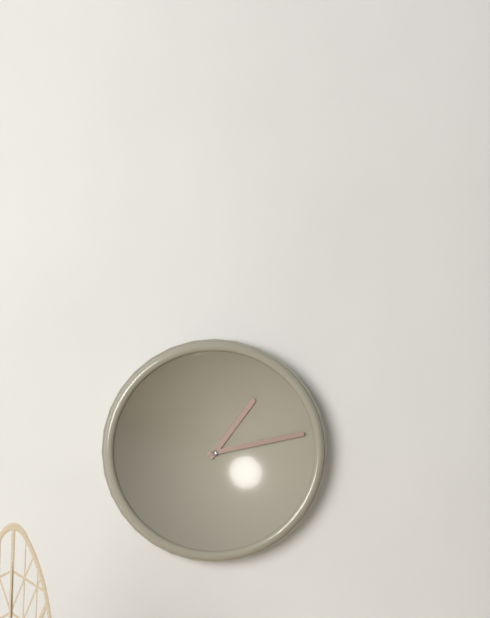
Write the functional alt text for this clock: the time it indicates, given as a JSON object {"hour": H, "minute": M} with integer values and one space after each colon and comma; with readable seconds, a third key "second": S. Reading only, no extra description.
{"hour": 1, "minute": 13}
